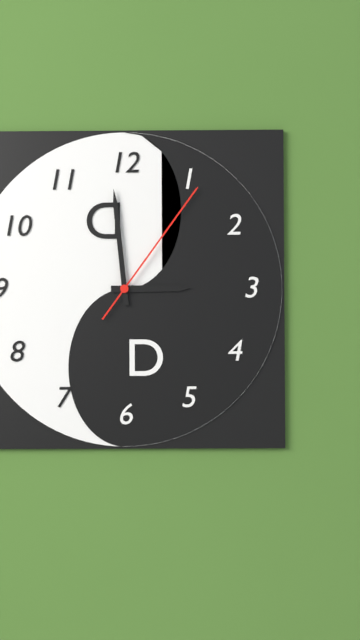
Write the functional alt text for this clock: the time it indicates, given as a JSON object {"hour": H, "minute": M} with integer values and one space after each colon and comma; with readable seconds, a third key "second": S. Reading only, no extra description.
{"hour": 2, "minute": 59, "second": 6}
